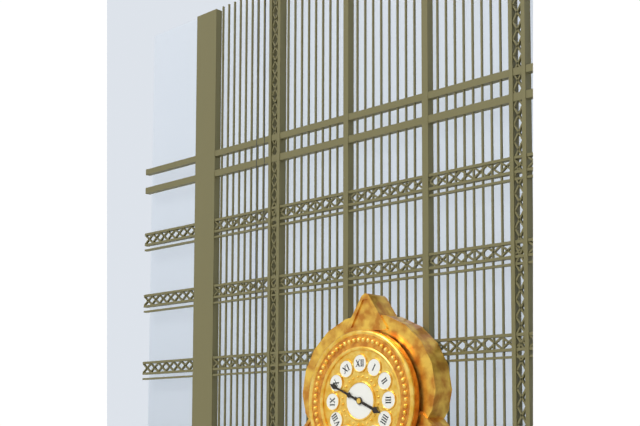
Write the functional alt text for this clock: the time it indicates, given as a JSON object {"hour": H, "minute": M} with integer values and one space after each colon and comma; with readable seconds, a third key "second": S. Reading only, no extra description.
{"hour": 3, "minute": 49}
